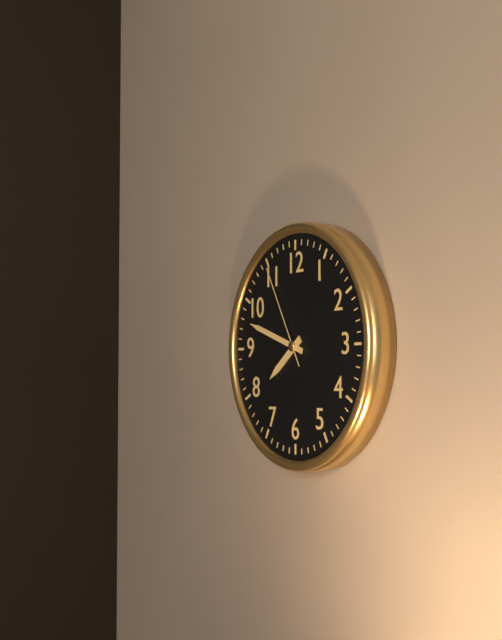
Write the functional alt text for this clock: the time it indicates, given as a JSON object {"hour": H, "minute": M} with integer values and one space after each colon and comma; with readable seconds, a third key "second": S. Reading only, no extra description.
{"hour": 7, "minute": 48, "second": 55}
